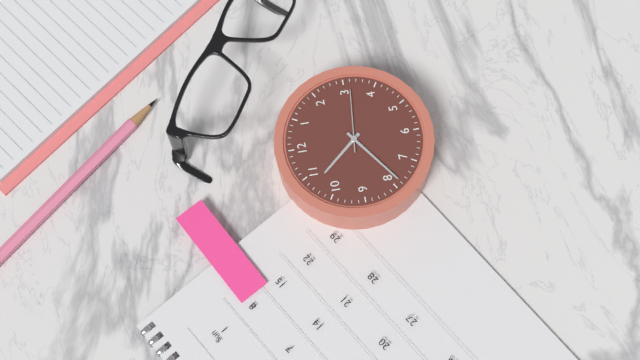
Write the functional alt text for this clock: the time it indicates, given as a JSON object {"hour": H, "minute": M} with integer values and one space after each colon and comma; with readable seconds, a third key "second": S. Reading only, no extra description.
{"hour": 10, "minute": 39, "second": 16}
